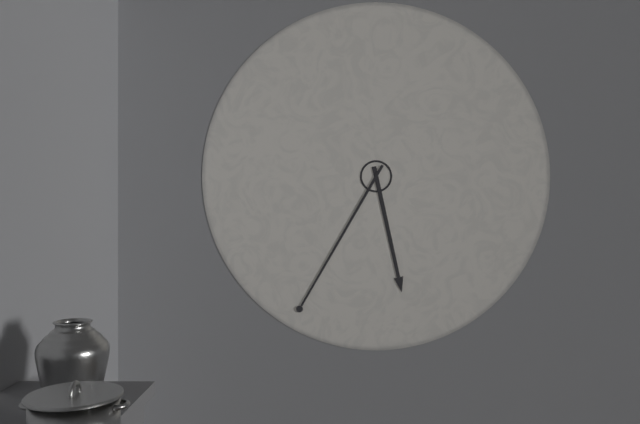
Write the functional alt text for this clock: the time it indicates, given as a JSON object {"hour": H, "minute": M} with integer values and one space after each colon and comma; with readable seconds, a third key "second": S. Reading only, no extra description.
{"hour": 5, "minute": 35}
